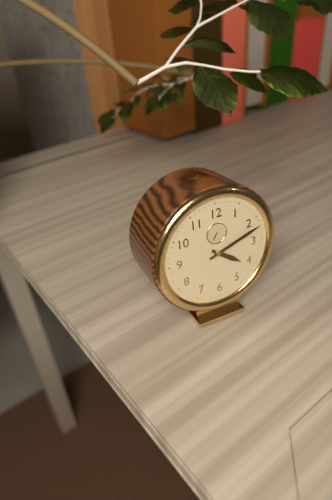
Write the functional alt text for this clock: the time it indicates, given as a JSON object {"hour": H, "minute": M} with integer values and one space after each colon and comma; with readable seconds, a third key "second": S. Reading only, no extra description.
{"hour": 4, "minute": 12}
